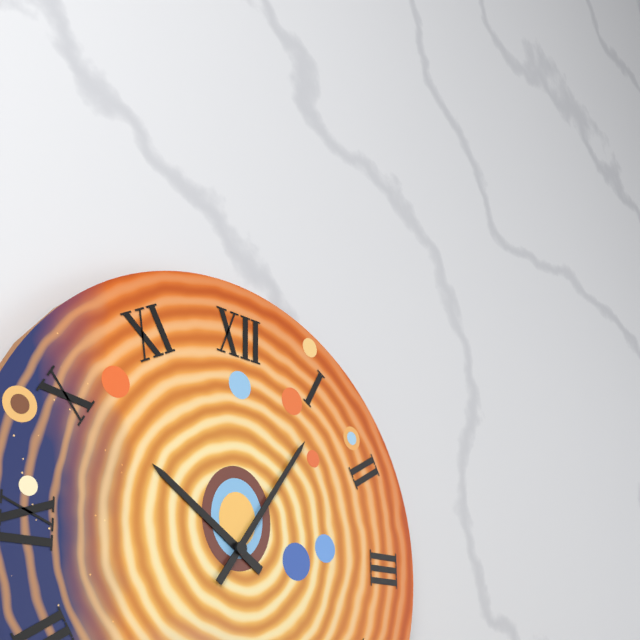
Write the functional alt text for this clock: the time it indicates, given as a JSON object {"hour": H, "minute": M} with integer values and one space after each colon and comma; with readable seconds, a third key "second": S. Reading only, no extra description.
{"hour": 10, "minute": 6}
